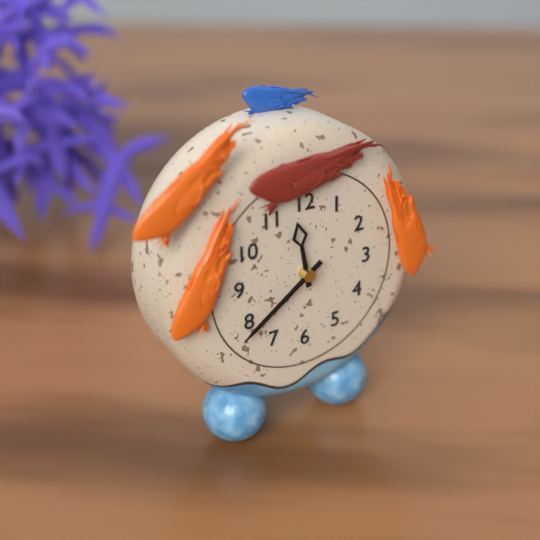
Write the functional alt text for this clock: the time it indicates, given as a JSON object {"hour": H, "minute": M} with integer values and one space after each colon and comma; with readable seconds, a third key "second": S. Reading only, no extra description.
{"hour": 11, "minute": 39}
